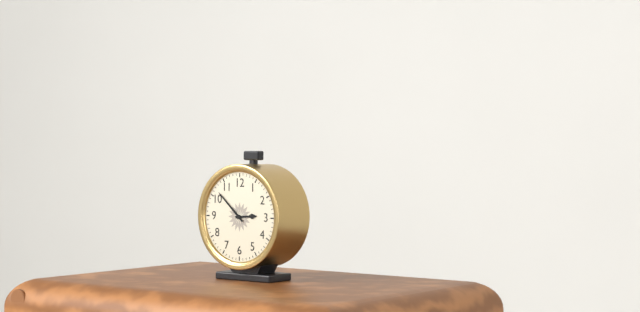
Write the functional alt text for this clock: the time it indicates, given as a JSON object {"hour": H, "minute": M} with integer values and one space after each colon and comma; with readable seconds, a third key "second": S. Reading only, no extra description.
{"hour": 2, "minute": 52}
